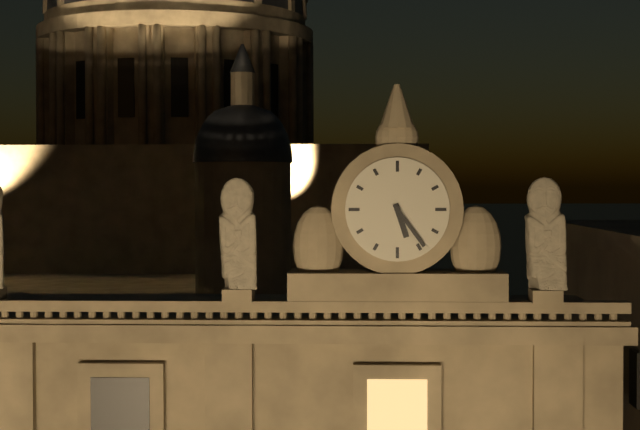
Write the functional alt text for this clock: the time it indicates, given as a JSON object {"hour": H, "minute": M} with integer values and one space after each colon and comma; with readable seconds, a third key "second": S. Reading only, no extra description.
{"hour": 5, "minute": 24}
